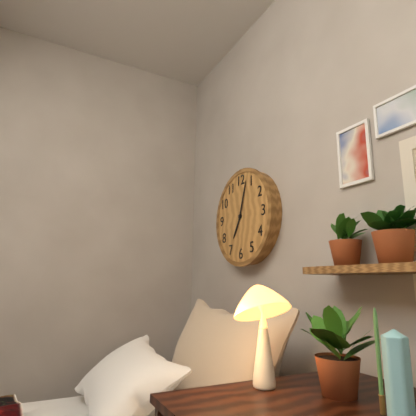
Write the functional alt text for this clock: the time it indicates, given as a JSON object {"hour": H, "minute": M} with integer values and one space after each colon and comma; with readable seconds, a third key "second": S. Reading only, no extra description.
{"hour": 7, "minute": 3}
